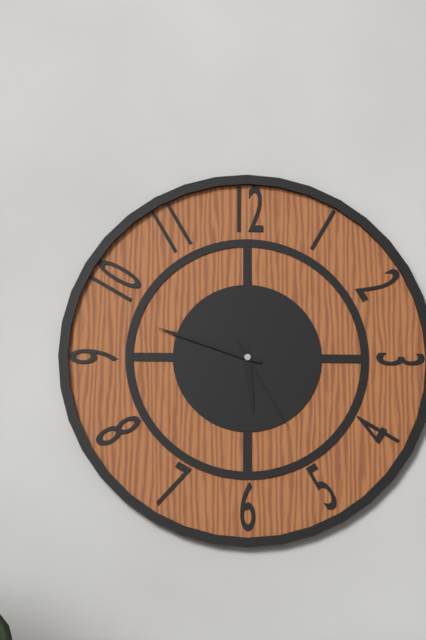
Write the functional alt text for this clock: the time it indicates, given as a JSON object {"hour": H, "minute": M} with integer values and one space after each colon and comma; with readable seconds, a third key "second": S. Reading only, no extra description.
{"hour": 5, "minute": 48, "second": 25}
